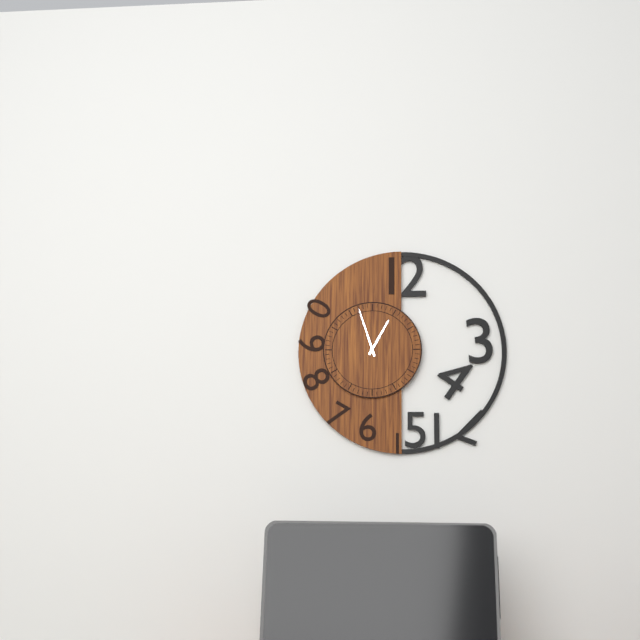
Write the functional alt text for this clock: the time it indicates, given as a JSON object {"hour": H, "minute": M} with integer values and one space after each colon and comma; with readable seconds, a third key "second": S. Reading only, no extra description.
{"hour": 12, "minute": 57}
